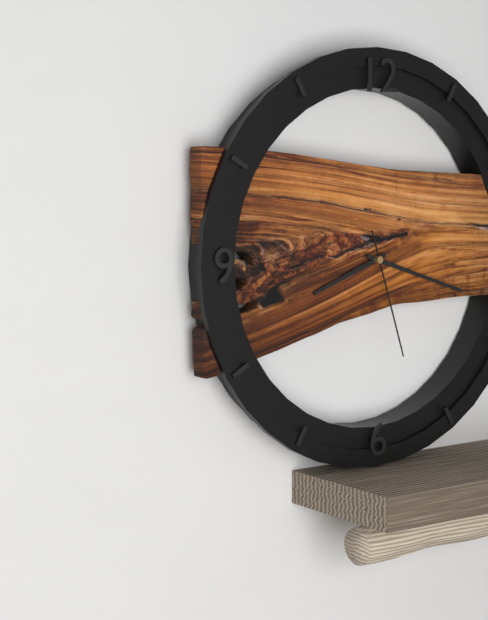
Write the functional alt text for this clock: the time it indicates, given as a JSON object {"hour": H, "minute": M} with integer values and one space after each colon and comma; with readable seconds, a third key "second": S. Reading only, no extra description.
{"hour": 8, "minute": 18, "second": 27}
